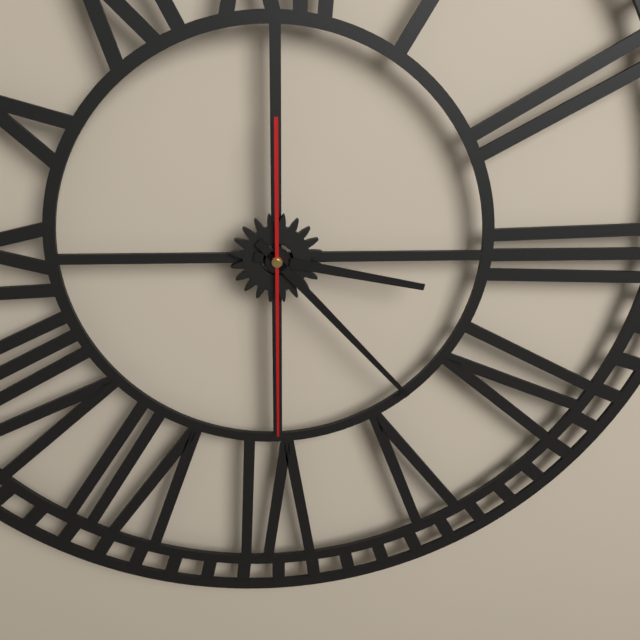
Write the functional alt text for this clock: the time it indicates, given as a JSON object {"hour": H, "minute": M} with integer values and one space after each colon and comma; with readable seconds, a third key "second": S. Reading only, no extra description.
{"hour": 3, "minute": 23, "second": 30}
